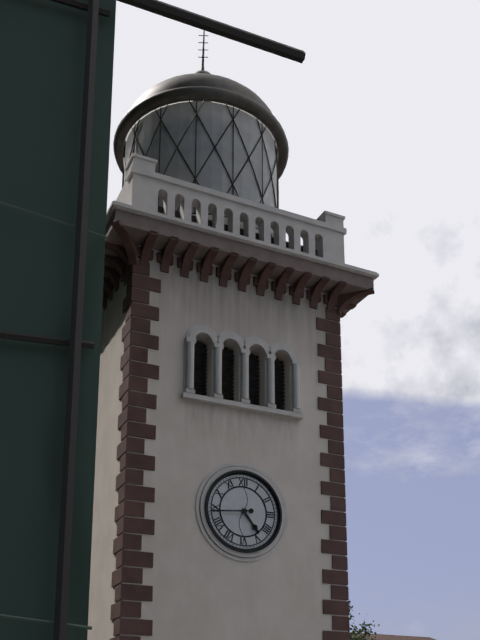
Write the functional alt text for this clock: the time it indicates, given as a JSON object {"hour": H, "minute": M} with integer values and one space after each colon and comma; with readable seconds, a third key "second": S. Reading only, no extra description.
{"hour": 4, "minute": 44}
